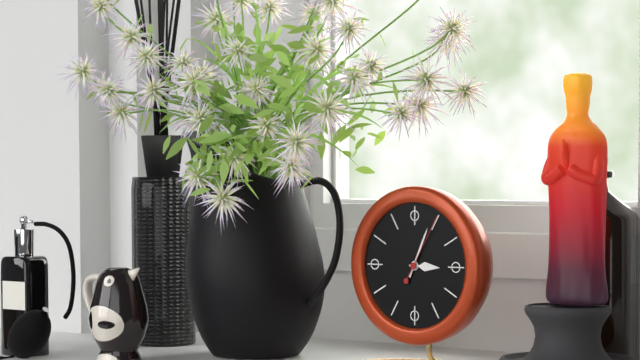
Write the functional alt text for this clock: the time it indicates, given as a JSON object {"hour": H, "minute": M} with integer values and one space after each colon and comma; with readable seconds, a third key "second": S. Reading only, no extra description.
{"hour": 3, "minute": 4, "second": 5}
